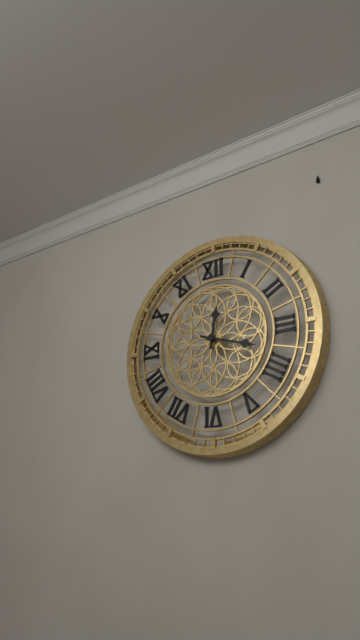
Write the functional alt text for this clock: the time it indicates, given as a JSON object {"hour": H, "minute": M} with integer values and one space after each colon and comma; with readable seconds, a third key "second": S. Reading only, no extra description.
{"hour": 12, "minute": 18}
